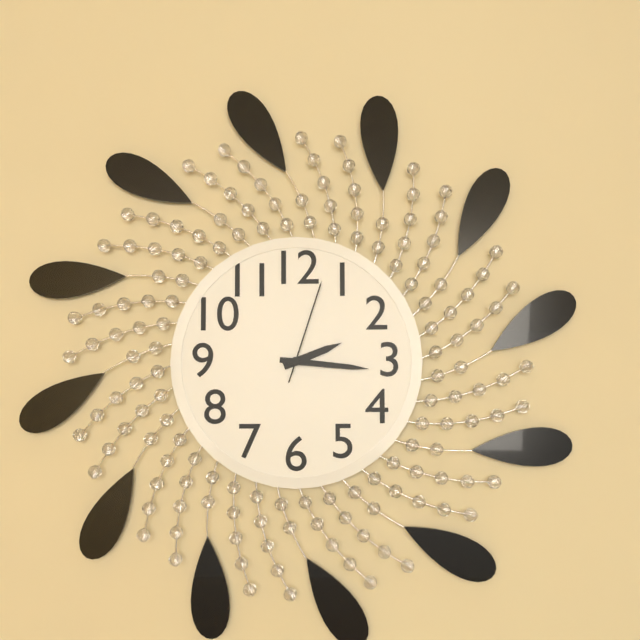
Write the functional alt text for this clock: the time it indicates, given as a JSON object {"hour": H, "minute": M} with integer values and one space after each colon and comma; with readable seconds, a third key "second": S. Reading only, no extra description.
{"hour": 2, "minute": 16, "second": 3}
